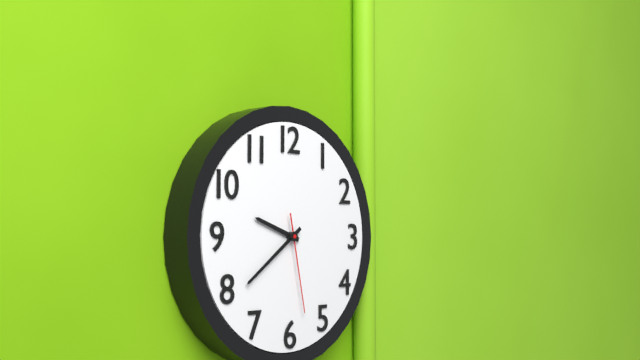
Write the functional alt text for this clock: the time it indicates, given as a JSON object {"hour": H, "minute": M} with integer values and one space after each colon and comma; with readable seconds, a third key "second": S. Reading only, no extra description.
{"hour": 9, "minute": 39, "second": 28}
